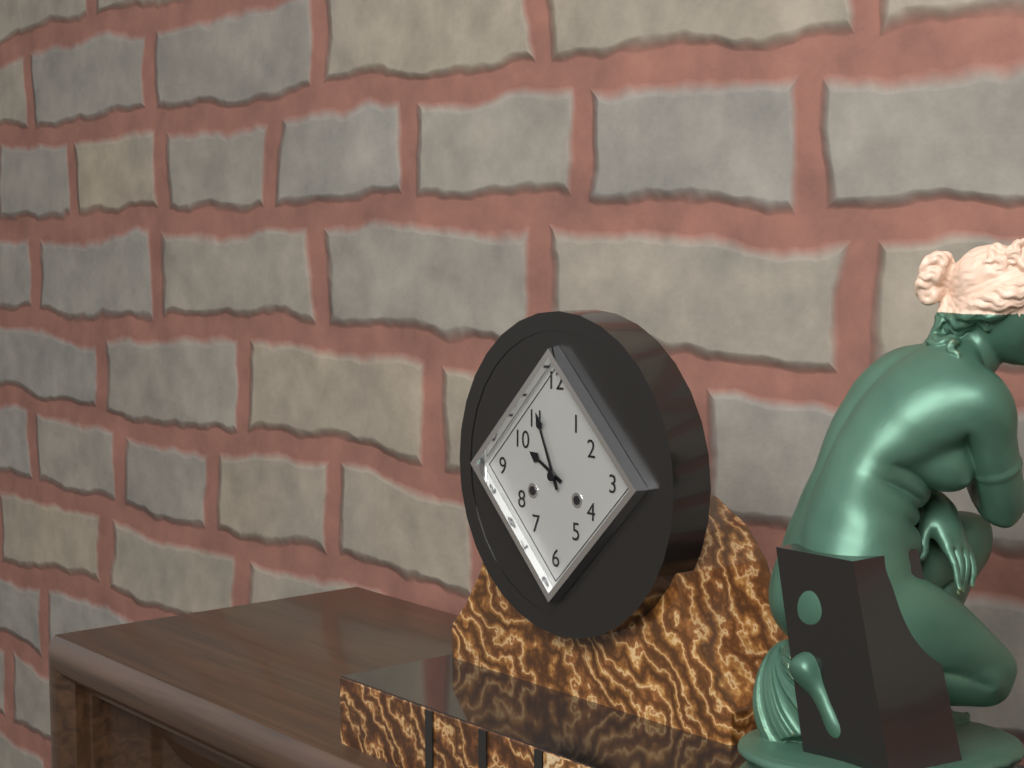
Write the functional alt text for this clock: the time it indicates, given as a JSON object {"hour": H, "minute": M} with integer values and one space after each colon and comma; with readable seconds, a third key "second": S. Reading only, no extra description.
{"hour": 9, "minute": 56}
